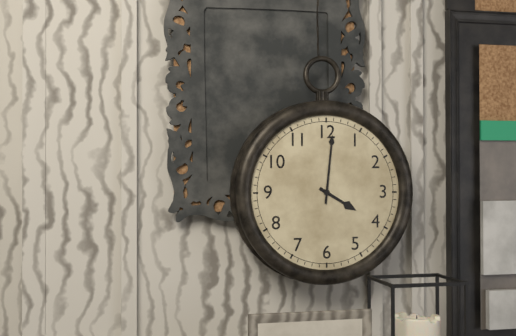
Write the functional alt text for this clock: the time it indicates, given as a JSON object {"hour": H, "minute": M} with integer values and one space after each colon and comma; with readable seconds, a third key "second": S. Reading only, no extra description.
{"hour": 4, "minute": 1}
